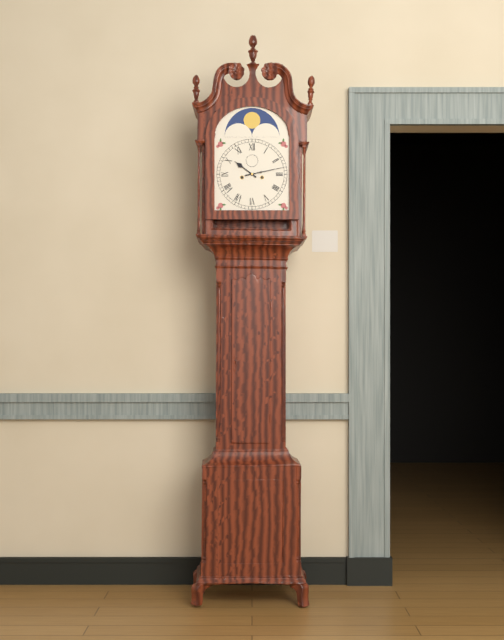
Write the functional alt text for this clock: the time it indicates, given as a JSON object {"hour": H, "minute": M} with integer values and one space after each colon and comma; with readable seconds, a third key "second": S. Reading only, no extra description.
{"hour": 10, "minute": 13}
